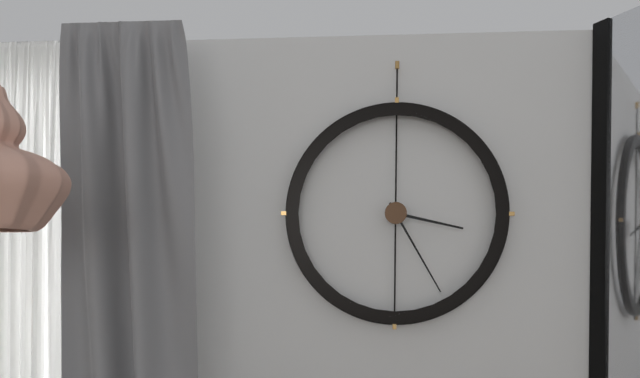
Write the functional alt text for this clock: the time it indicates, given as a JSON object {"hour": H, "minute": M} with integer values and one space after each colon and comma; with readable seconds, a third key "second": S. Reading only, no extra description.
{"hour": 3, "minute": 25}
